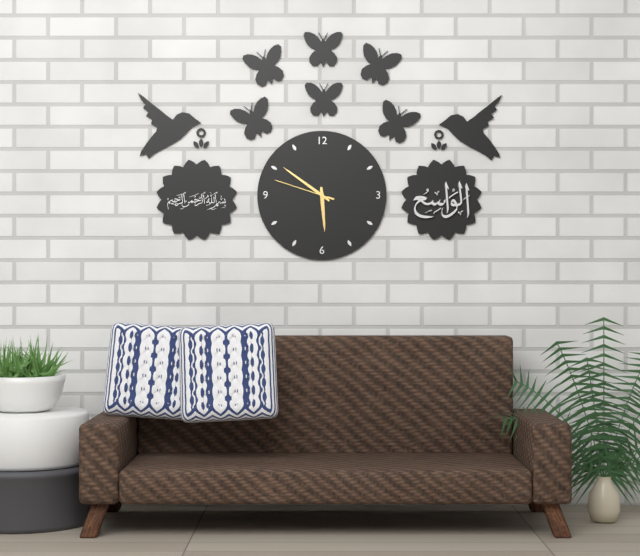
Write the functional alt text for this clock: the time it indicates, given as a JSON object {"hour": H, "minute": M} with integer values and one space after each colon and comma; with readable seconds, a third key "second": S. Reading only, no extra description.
{"hour": 5, "minute": 51, "second": 48}
